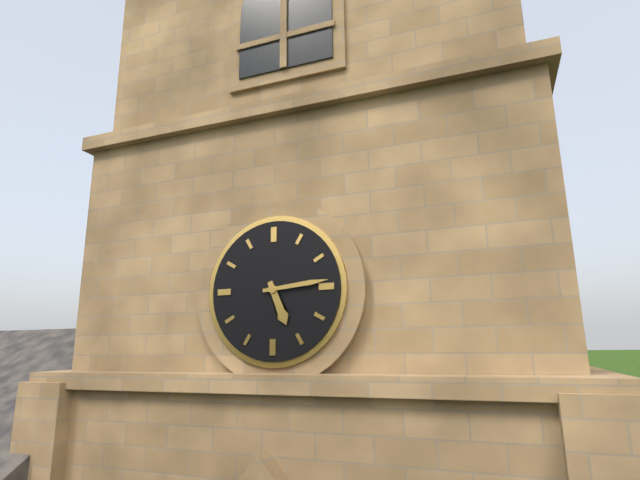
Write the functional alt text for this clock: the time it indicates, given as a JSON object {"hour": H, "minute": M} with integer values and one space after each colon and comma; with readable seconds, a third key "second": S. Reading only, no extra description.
{"hour": 5, "minute": 14}
